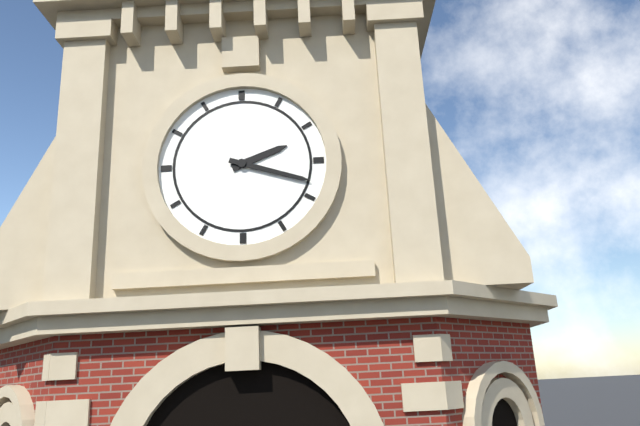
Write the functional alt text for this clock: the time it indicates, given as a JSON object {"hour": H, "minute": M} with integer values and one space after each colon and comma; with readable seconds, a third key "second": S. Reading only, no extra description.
{"hour": 2, "minute": 18}
